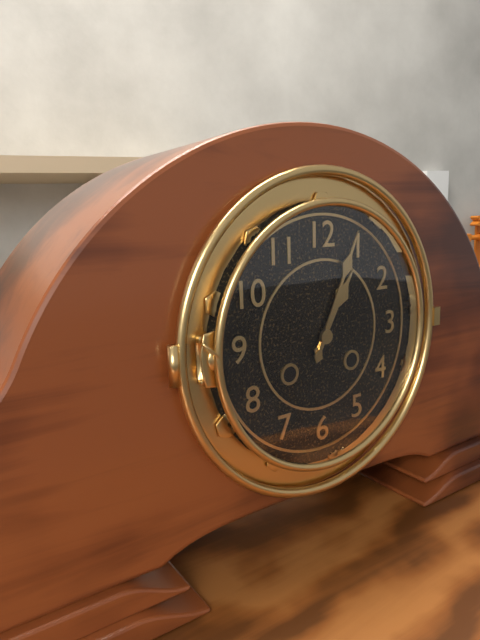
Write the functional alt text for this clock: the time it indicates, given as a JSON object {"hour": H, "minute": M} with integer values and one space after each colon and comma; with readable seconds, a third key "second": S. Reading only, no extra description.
{"hour": 1, "minute": 4}
